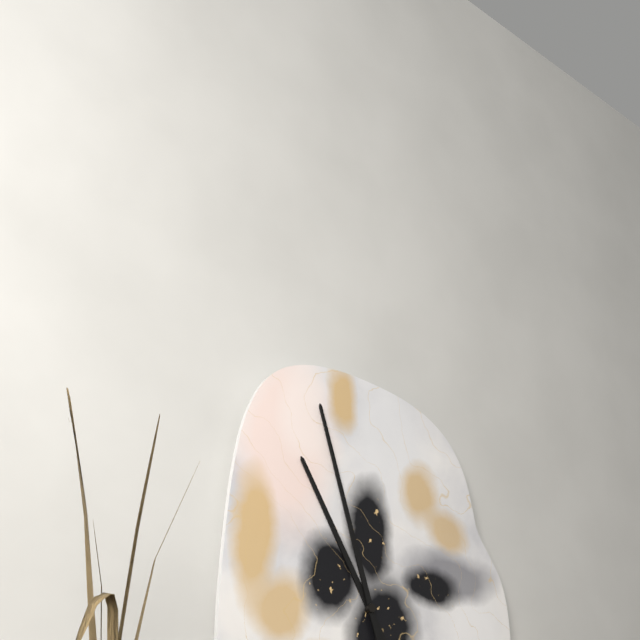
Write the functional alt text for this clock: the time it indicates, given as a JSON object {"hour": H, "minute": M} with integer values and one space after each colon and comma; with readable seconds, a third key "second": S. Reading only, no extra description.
{"hour": 10, "minute": 57}
